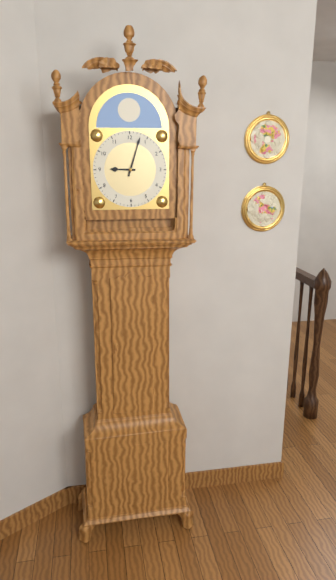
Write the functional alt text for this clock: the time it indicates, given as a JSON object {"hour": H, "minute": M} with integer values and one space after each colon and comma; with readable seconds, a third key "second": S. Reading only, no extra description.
{"hour": 9, "minute": 3}
